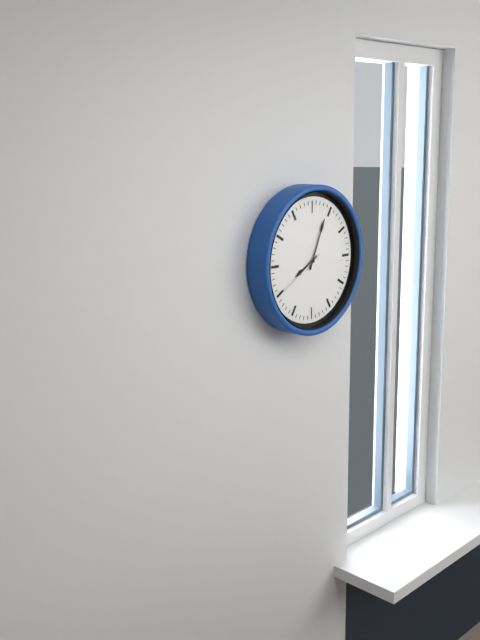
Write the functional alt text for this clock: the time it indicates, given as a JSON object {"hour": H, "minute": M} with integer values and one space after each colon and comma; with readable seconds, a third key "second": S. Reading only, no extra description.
{"hour": 8, "minute": 4, "second": 40}
